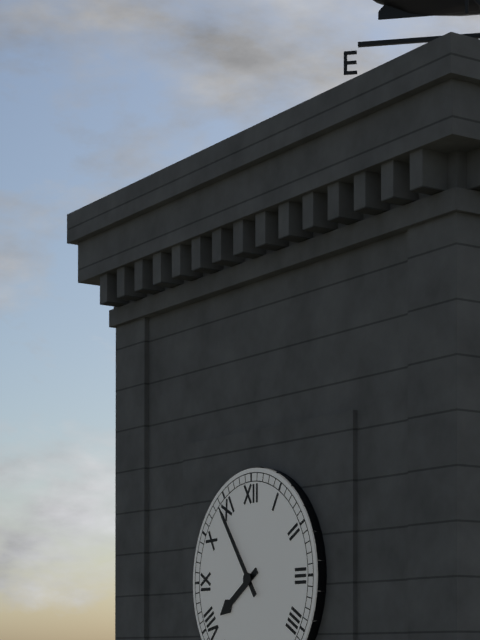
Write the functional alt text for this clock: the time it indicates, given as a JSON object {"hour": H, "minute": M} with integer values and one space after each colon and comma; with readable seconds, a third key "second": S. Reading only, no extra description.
{"hour": 7, "minute": 54}
